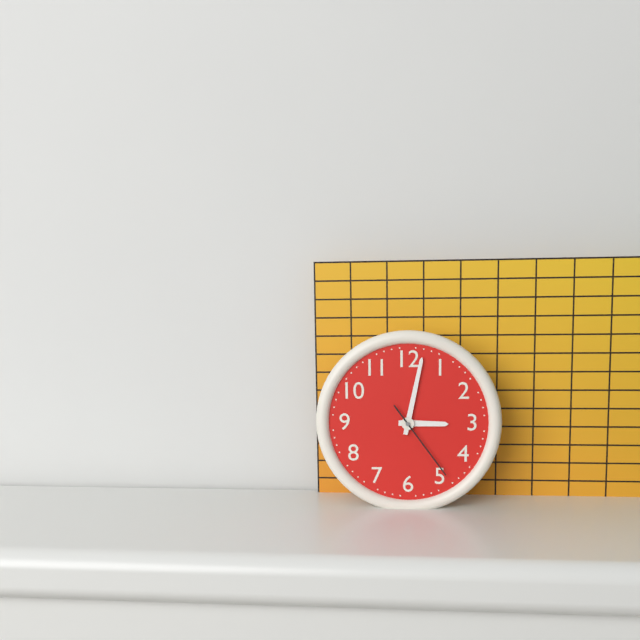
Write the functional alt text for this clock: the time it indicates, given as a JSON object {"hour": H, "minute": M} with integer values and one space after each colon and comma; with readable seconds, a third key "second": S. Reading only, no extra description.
{"hour": 3, "minute": 2, "second": 24}
